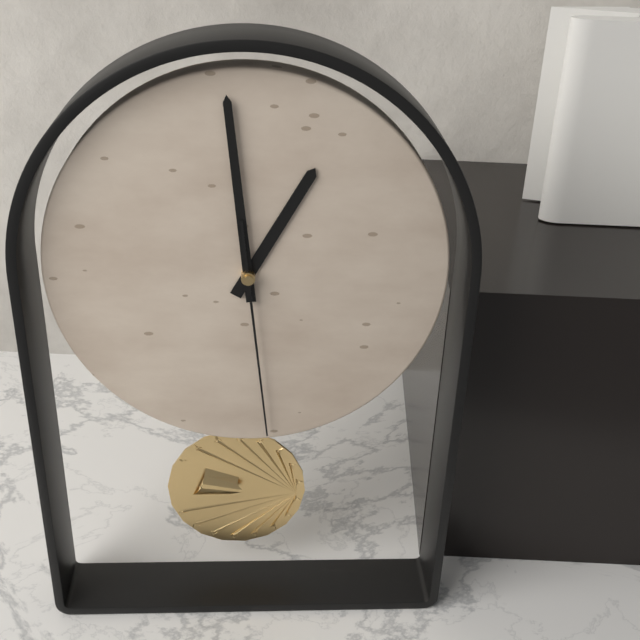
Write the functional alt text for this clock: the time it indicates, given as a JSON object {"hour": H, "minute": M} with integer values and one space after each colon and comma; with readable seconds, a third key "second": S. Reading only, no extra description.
{"hour": 12, "minute": 59, "second": 29}
